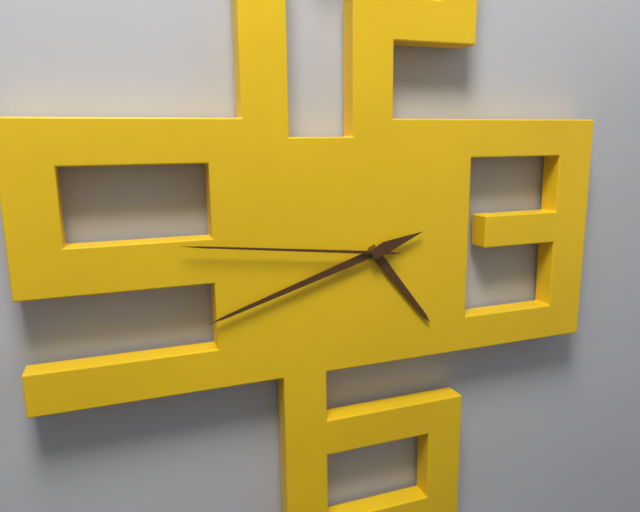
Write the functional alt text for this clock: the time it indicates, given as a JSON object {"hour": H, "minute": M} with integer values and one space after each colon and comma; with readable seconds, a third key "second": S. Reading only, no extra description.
{"hour": 4, "minute": 42, "second": 46}
